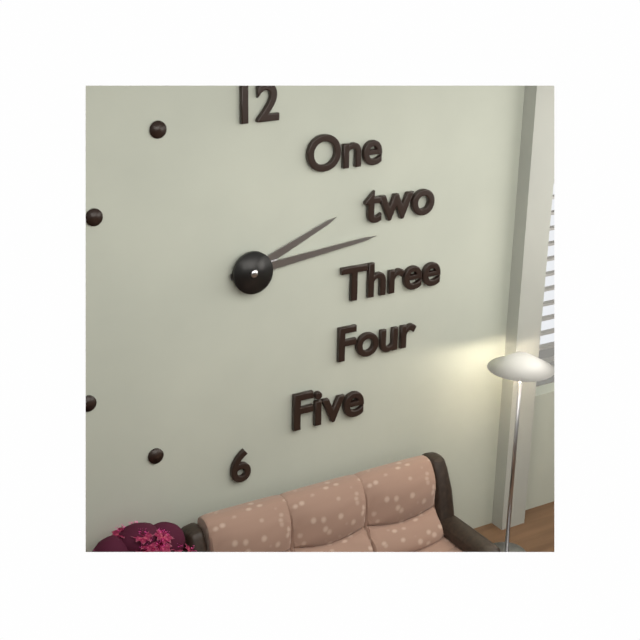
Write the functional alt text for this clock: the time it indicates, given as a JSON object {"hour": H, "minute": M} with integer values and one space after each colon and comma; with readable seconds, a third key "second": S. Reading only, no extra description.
{"hour": 2, "minute": 14}
